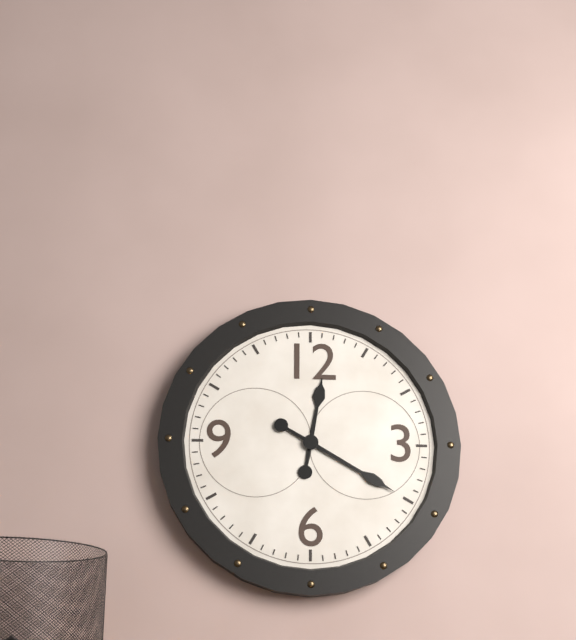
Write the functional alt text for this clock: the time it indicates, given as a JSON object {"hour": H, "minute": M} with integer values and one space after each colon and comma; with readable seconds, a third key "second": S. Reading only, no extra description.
{"hour": 12, "minute": 20}
